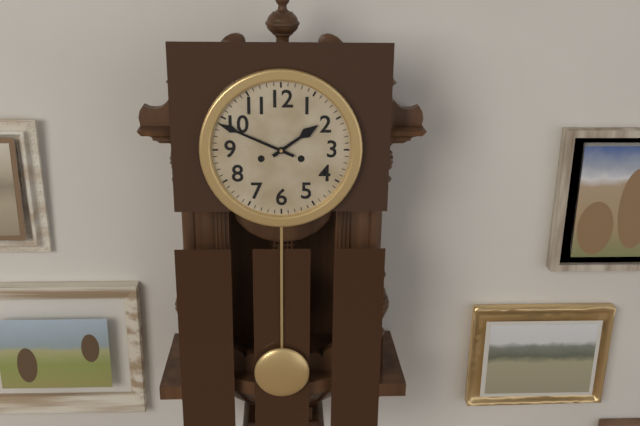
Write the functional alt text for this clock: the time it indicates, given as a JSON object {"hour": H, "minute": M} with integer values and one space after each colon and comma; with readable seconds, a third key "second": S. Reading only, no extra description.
{"hour": 1, "minute": 49}
